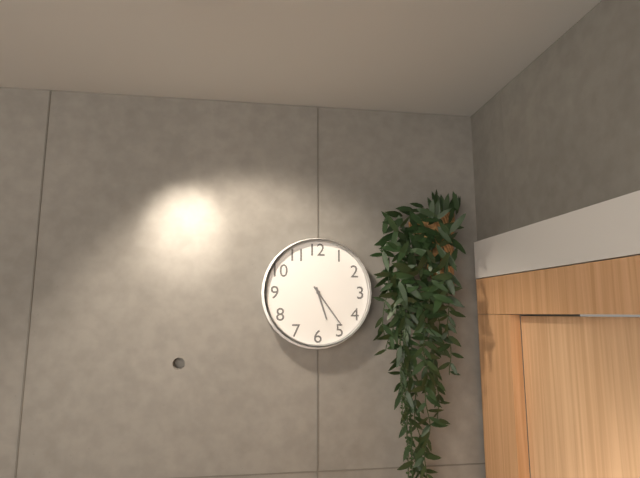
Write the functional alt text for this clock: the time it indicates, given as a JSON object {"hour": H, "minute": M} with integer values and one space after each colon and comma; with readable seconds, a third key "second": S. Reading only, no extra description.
{"hour": 5, "minute": 24}
